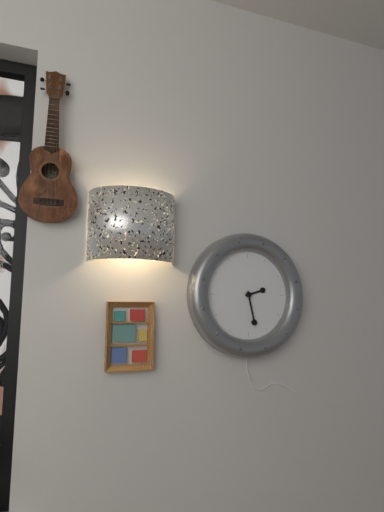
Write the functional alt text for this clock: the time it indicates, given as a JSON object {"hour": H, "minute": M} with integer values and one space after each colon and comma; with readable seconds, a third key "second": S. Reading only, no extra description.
{"hour": 2, "minute": 28}
